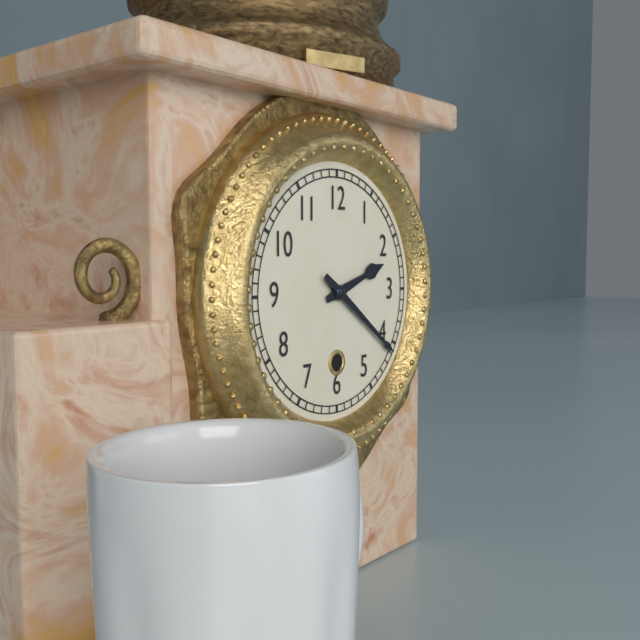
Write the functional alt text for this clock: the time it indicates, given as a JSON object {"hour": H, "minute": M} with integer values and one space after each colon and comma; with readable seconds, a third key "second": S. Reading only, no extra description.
{"hour": 2, "minute": 21}
